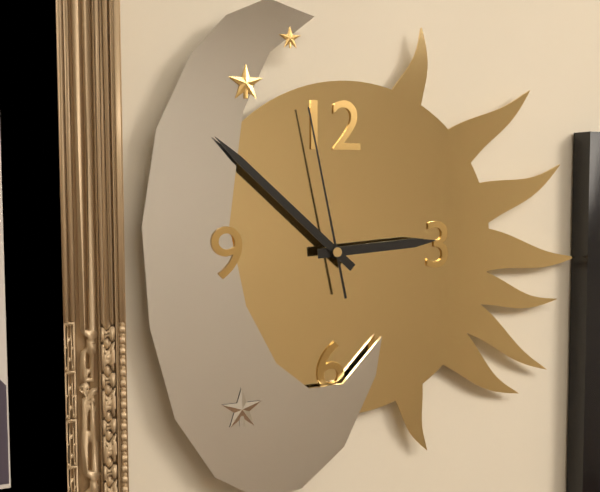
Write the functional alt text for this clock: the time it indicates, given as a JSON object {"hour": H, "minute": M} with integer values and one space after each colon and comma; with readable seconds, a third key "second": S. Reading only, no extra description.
{"hour": 2, "minute": 52, "second": 58}
